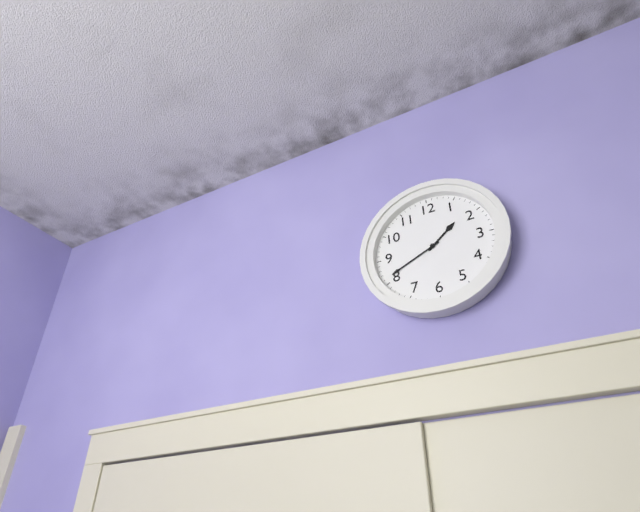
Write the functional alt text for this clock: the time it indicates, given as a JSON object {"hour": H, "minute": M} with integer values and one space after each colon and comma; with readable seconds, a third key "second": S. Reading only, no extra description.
{"hour": 1, "minute": 41}
